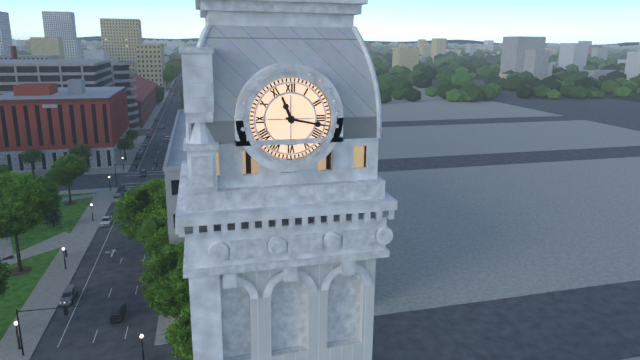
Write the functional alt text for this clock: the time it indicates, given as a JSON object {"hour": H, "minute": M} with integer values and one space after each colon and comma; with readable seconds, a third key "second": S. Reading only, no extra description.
{"hour": 11, "minute": 17}
